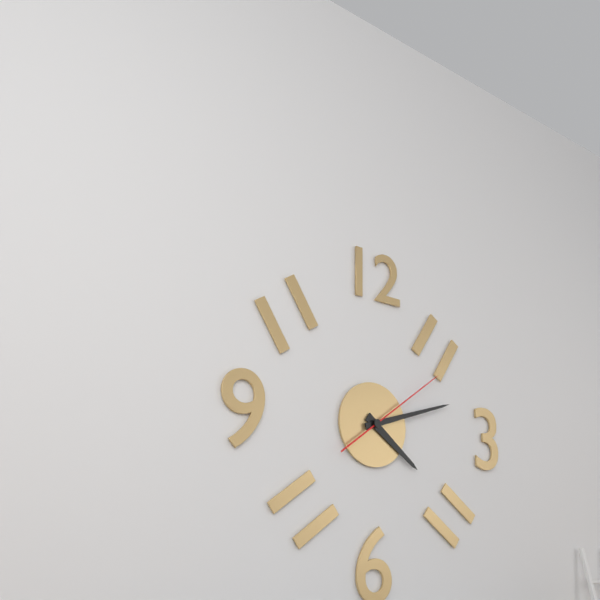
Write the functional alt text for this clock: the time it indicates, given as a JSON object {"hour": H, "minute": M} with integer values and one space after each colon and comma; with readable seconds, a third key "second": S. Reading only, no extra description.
{"hour": 4, "minute": 12, "second": 9}
